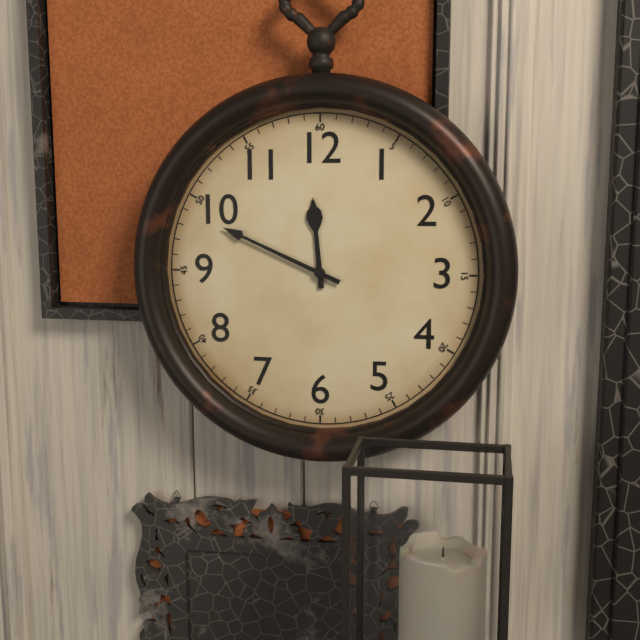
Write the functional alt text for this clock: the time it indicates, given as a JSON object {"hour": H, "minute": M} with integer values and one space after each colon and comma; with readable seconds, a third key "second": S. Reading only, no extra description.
{"hour": 11, "minute": 49}
